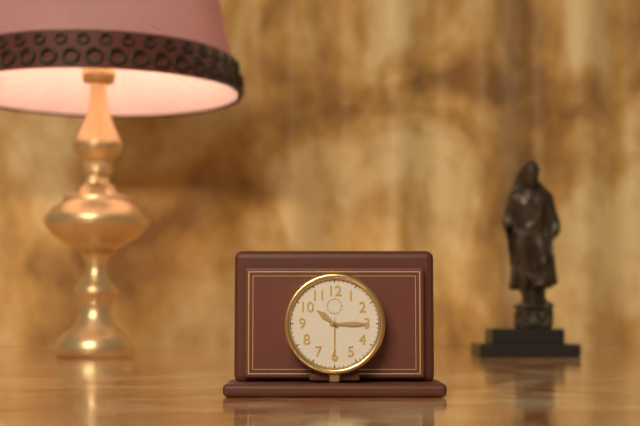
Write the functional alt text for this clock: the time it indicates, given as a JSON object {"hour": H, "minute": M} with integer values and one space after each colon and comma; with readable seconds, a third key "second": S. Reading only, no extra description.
{"hour": 10, "minute": 15}
